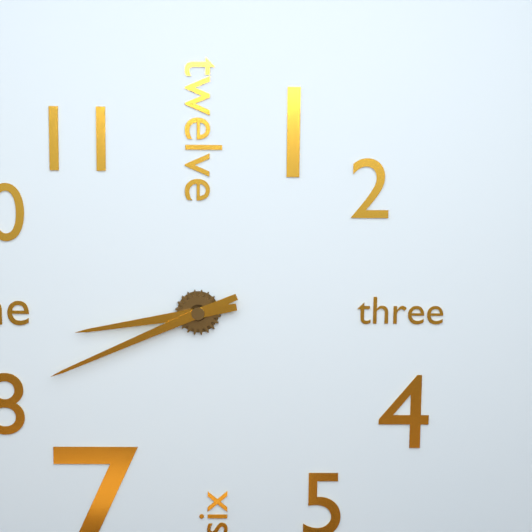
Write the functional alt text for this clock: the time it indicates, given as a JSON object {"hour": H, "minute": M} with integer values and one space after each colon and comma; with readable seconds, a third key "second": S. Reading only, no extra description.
{"hour": 8, "minute": 41}
